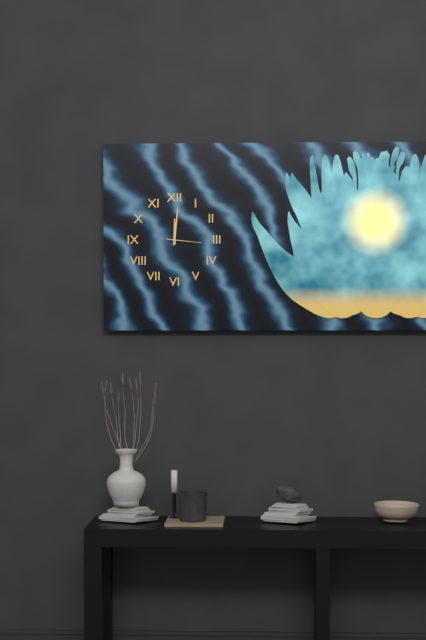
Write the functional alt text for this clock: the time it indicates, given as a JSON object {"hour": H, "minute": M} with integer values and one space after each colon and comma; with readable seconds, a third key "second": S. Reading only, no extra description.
{"hour": 12, "minute": 1}
